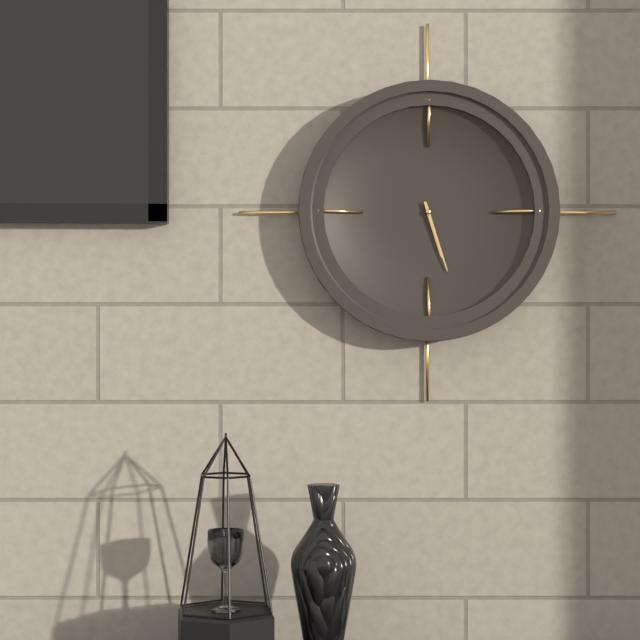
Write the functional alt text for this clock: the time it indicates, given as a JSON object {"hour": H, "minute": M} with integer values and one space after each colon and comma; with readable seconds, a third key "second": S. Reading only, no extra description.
{"hour": 5, "minute": 27}
